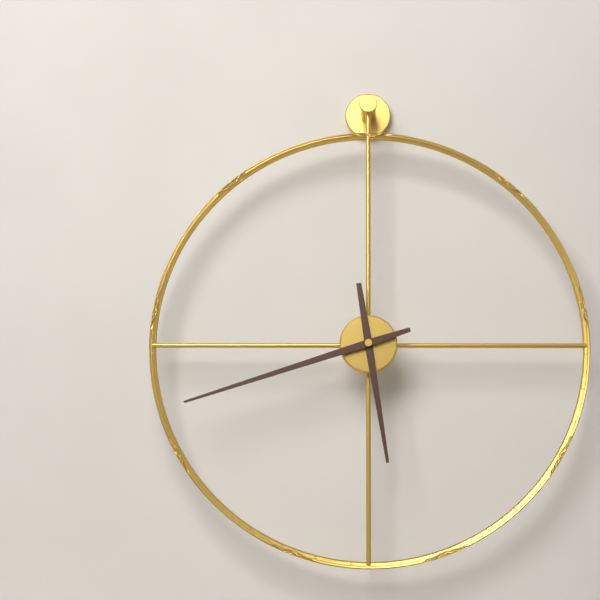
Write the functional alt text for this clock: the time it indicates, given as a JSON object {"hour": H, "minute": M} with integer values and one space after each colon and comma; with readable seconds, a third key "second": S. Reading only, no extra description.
{"hour": 5, "minute": 42}
